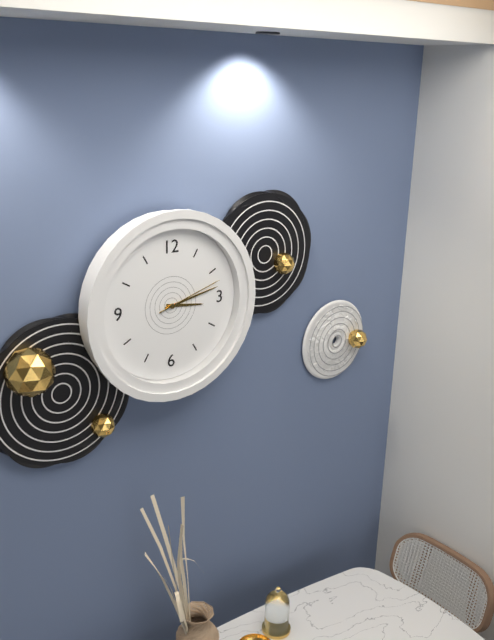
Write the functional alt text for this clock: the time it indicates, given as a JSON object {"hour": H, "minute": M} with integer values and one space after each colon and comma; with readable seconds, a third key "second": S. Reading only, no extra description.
{"hour": 3, "minute": 13, "second": 12}
